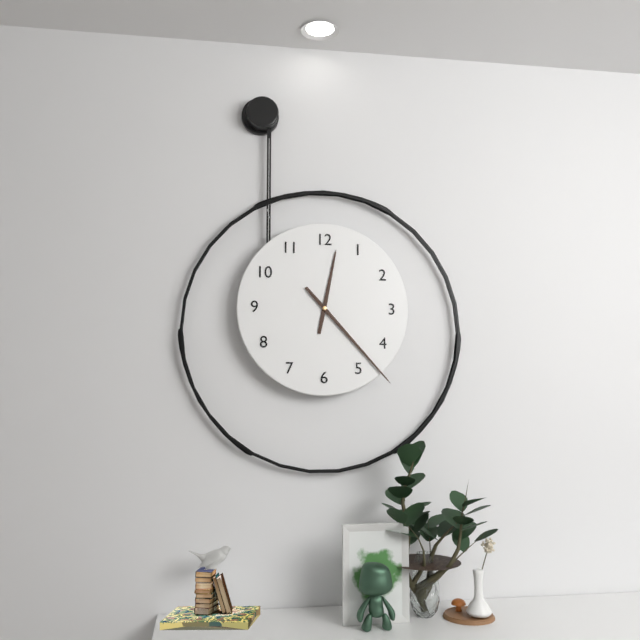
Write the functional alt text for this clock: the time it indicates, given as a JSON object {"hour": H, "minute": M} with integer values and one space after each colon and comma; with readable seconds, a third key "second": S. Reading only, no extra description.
{"hour": 12, "minute": 23}
